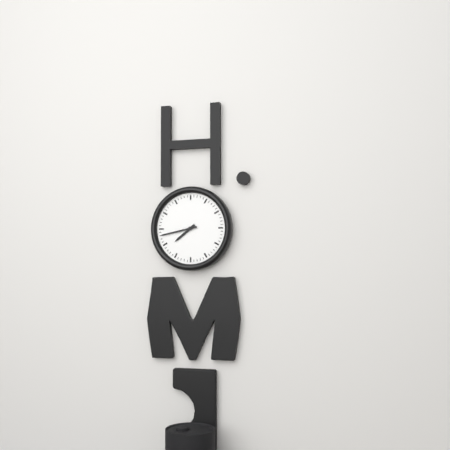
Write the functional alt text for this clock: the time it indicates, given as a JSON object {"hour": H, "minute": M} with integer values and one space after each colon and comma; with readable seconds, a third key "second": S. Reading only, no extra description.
{"hour": 7, "minute": 43}
